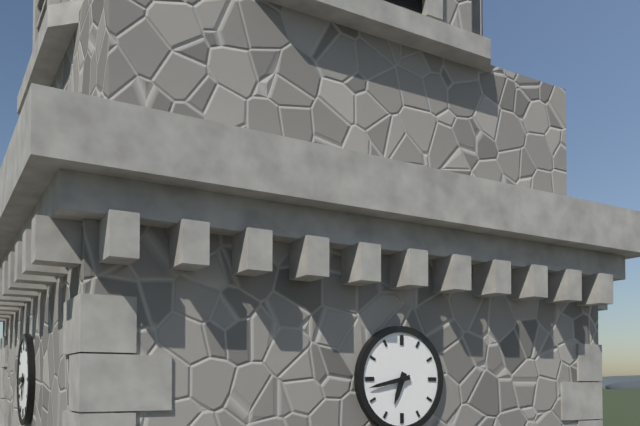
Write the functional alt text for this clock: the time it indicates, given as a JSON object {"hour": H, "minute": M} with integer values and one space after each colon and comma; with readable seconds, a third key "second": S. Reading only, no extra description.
{"hour": 6, "minute": 43}
